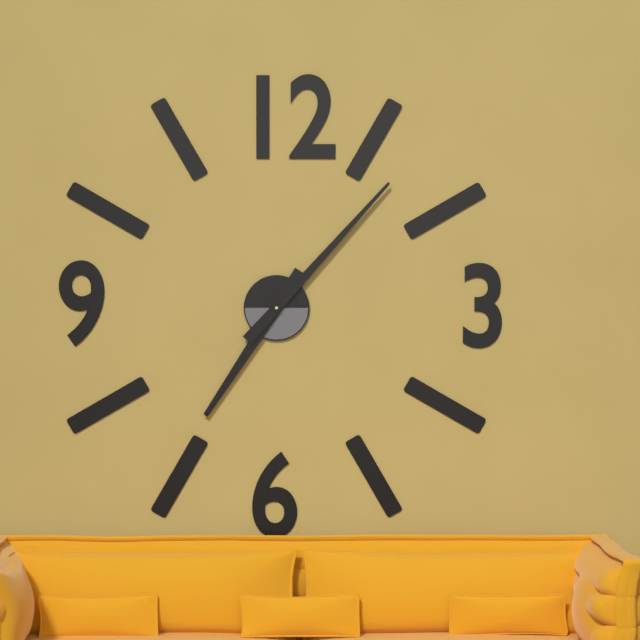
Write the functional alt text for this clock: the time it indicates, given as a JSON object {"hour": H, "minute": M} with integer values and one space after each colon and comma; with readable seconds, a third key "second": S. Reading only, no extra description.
{"hour": 7, "minute": 7}
